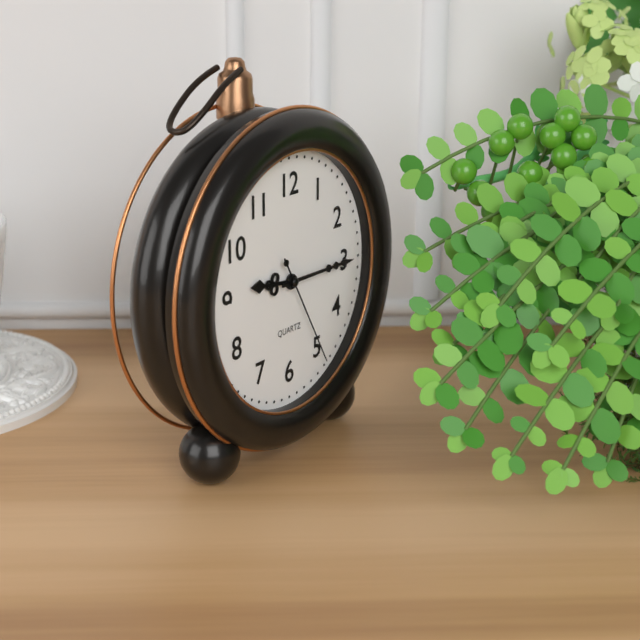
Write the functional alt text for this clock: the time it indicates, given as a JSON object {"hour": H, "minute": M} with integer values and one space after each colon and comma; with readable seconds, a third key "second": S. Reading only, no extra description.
{"hour": 9, "minute": 15, "second": 25}
